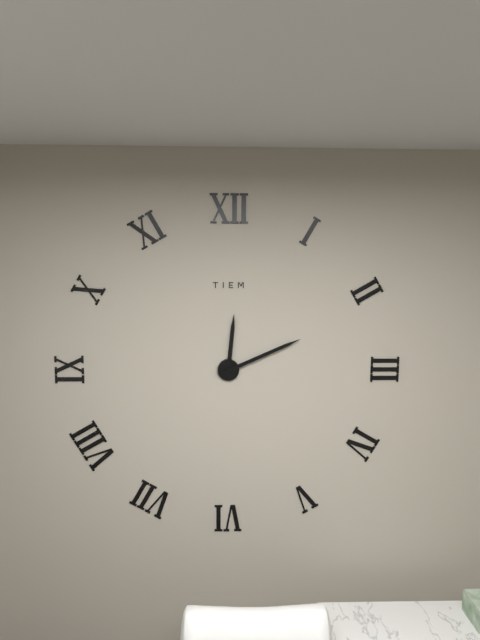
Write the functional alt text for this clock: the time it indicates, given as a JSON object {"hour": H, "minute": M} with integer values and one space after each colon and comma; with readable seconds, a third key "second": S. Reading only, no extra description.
{"hour": 12, "minute": 11}
